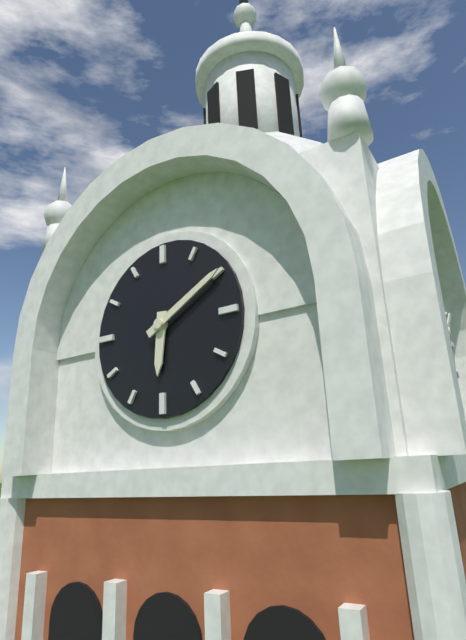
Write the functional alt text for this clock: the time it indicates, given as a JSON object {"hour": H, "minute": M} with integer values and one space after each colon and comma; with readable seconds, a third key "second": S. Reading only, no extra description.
{"hour": 6, "minute": 10}
